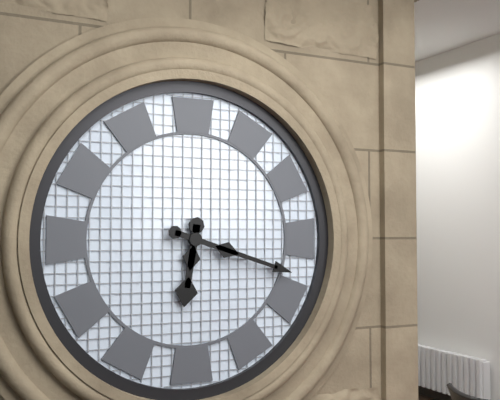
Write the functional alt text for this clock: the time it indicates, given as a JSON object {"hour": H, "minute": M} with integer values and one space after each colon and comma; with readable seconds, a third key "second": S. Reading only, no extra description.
{"hour": 6, "minute": 18}
